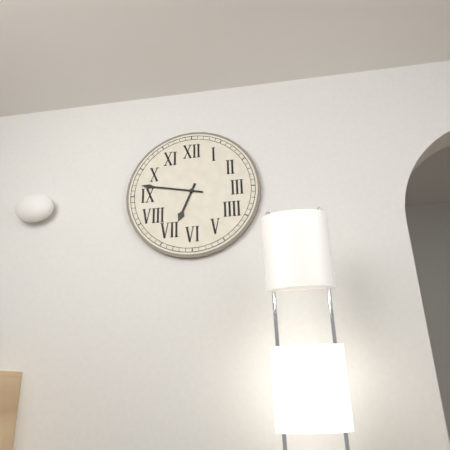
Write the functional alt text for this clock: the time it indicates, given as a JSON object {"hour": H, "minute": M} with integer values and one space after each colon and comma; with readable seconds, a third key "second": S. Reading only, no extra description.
{"hour": 6, "minute": 47}
